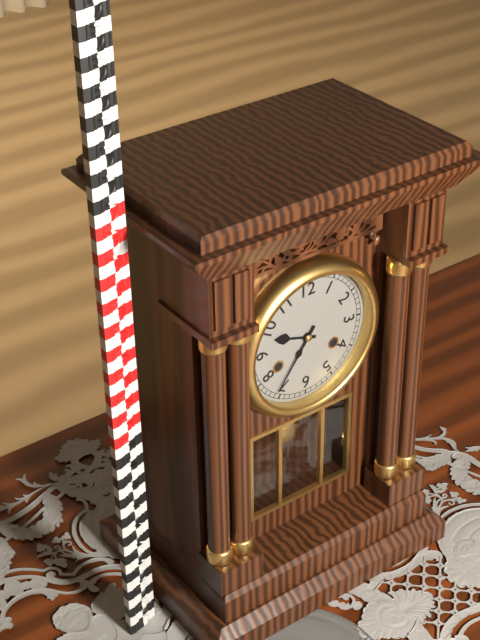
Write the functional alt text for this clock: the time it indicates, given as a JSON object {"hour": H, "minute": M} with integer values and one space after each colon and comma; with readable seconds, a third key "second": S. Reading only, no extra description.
{"hour": 9, "minute": 36}
